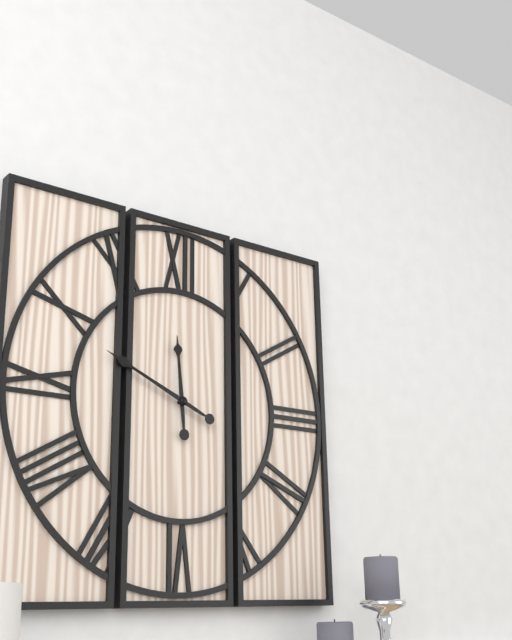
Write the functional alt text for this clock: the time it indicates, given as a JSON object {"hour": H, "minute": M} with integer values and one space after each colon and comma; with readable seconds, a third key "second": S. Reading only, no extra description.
{"hour": 11, "minute": 49}
